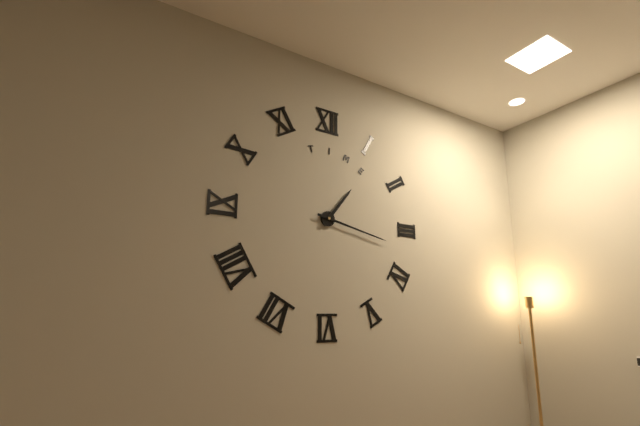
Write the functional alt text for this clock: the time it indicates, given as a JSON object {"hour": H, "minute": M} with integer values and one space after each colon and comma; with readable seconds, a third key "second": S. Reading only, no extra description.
{"hour": 1, "minute": 17}
